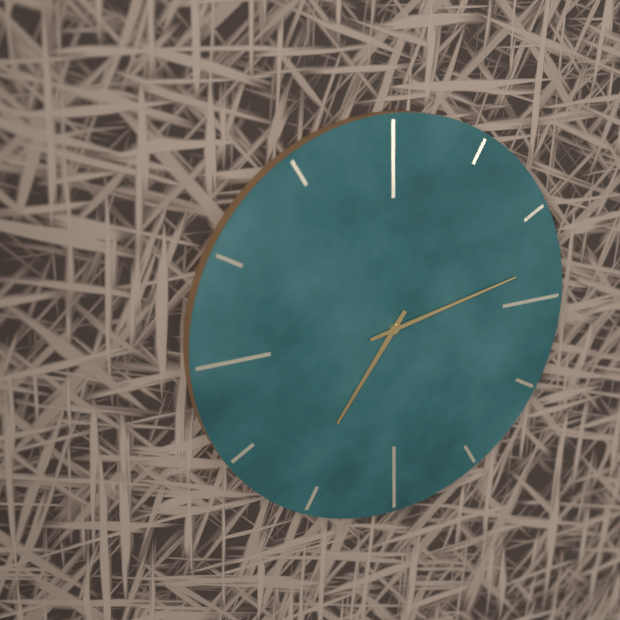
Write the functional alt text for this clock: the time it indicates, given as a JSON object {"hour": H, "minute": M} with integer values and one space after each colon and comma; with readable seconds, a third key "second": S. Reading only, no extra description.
{"hour": 7, "minute": 13}
